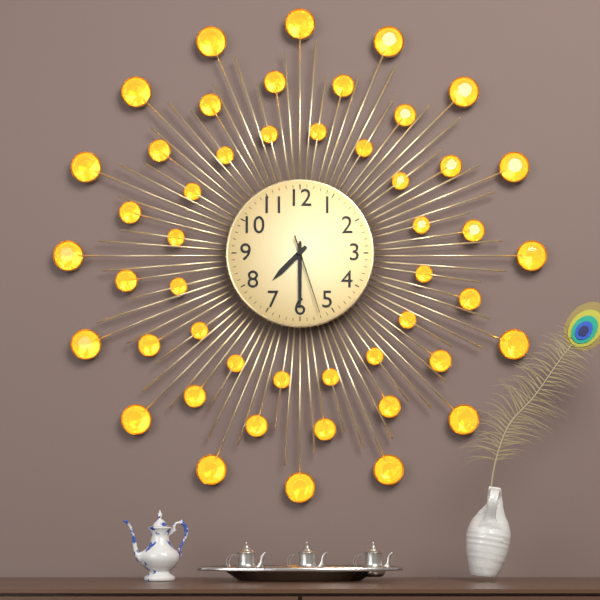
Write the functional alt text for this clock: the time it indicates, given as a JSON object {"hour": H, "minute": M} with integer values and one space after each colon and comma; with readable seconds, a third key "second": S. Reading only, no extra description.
{"hour": 7, "minute": 30, "second": 27}
